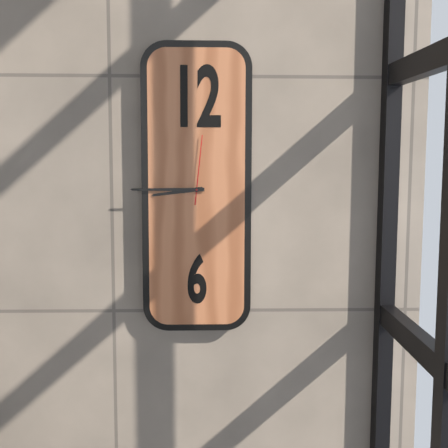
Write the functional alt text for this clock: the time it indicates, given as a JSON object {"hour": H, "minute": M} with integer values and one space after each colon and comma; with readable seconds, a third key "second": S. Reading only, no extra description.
{"hour": 8, "minute": 45, "second": 1}
